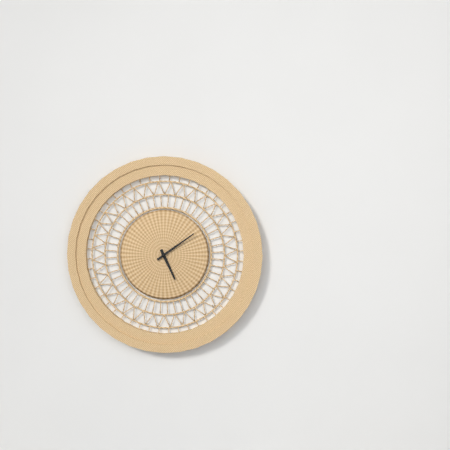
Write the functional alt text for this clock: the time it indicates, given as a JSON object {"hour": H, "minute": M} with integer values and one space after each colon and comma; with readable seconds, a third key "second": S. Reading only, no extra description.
{"hour": 5, "minute": 9}
